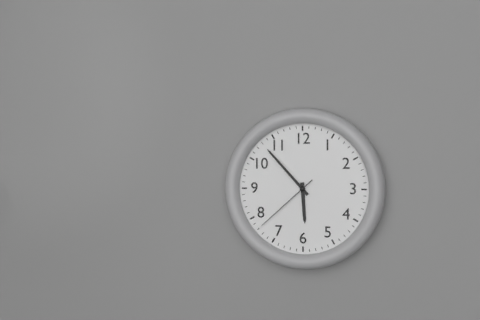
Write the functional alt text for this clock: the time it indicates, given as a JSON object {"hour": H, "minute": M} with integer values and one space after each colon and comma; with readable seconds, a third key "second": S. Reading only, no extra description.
{"hour": 5, "minute": 53, "second": 38}
